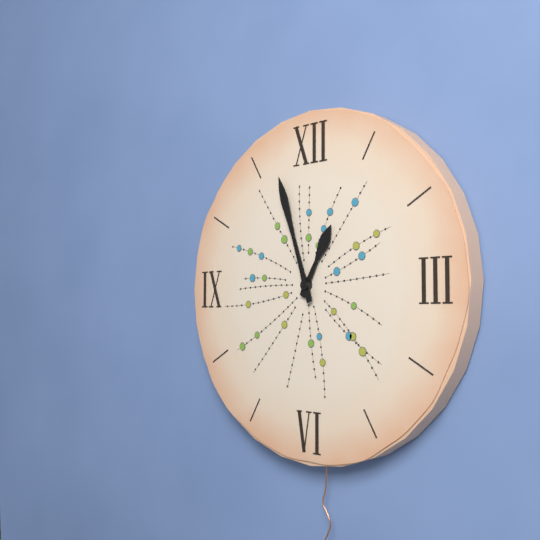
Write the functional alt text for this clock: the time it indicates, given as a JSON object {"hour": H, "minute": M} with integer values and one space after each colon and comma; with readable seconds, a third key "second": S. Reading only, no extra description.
{"hour": 12, "minute": 57}
